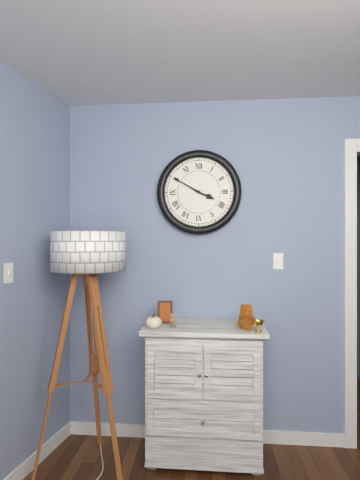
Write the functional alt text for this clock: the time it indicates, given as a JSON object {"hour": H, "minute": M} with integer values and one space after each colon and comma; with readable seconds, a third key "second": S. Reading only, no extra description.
{"hour": 3, "minute": 50}
